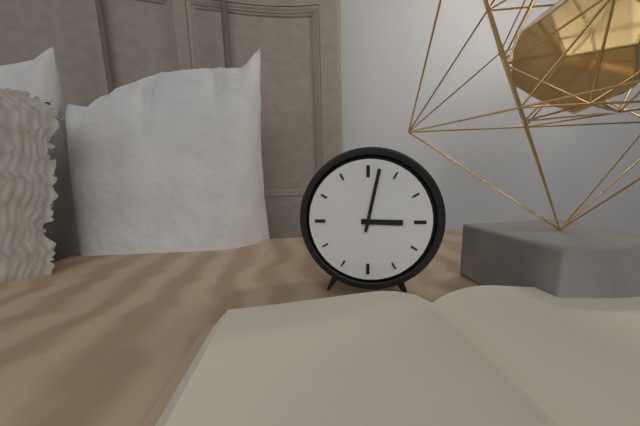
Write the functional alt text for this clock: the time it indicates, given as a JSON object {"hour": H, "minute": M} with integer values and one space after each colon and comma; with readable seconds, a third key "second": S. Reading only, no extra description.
{"hour": 3, "minute": 2}
